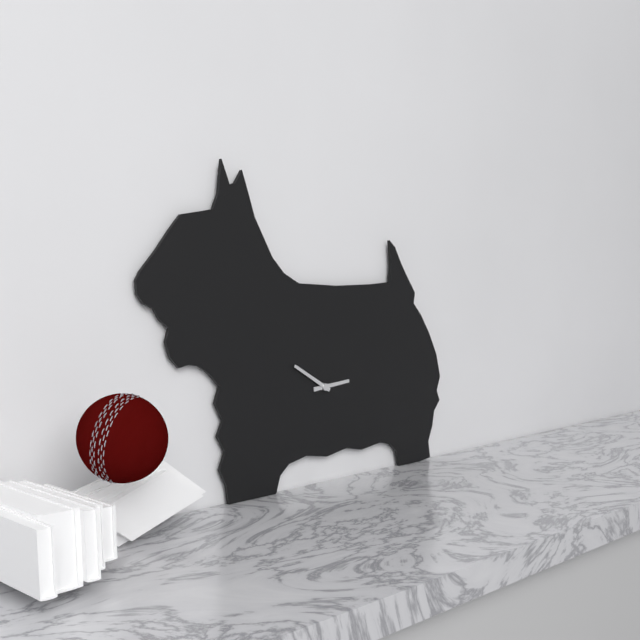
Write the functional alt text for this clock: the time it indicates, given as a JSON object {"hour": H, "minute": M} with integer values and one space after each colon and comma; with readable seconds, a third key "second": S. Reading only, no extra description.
{"hour": 2, "minute": 50}
